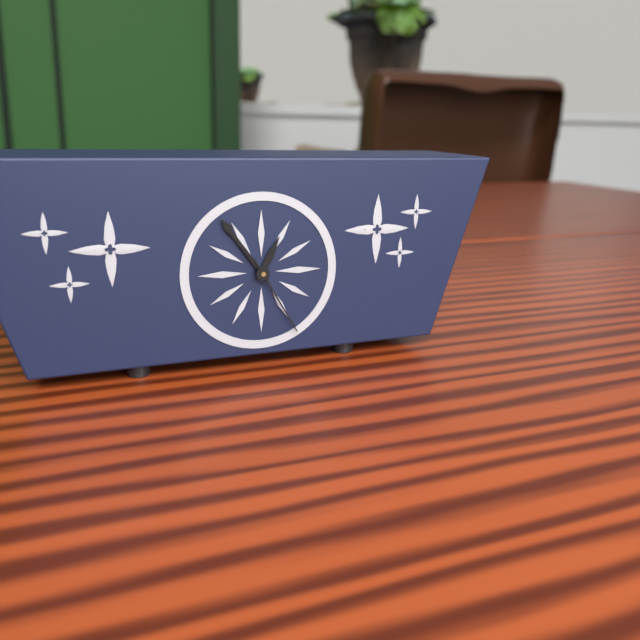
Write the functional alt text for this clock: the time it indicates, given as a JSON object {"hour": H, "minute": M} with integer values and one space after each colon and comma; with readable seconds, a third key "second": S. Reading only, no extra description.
{"hour": 12, "minute": 54, "second": 25}
